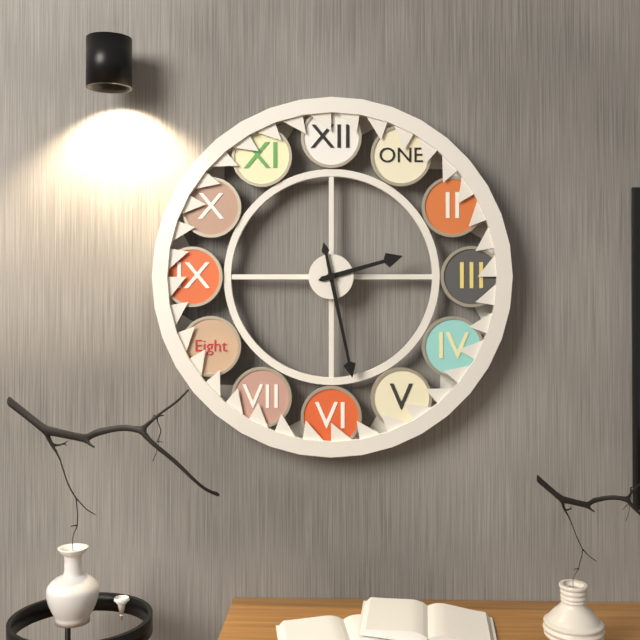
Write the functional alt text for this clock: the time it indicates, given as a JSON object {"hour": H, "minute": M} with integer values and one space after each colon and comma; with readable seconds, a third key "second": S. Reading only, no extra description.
{"hour": 2, "minute": 28}
